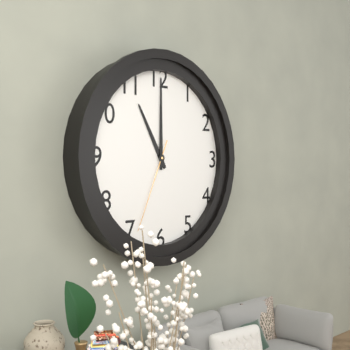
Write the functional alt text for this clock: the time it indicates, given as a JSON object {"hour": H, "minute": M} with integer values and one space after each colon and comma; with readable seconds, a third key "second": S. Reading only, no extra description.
{"hour": 11, "minute": 0, "second": 34}
